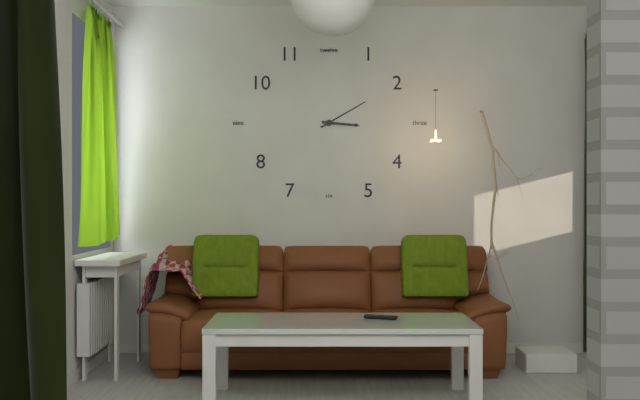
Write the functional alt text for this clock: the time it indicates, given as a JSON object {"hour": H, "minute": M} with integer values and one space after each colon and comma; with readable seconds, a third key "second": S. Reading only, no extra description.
{"hour": 3, "minute": 10}
